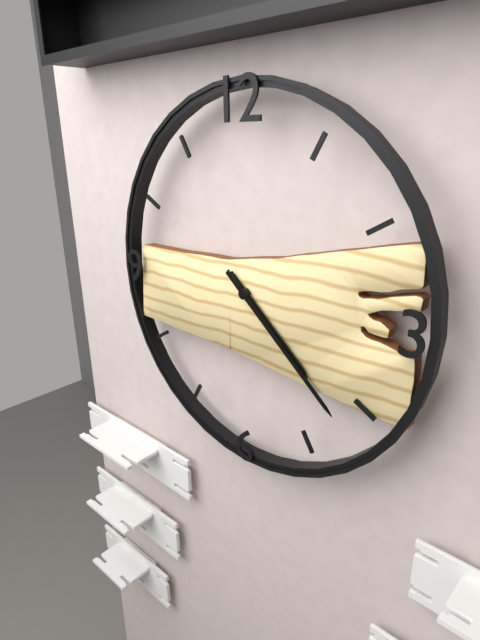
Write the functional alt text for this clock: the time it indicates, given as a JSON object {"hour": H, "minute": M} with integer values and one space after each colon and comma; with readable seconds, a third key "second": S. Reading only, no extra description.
{"hour": 4, "minute": 22}
